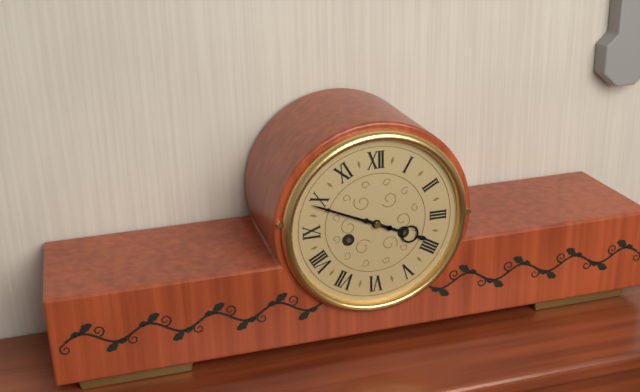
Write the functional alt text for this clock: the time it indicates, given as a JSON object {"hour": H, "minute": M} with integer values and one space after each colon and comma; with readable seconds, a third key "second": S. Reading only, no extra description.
{"hour": 3, "minute": 49}
